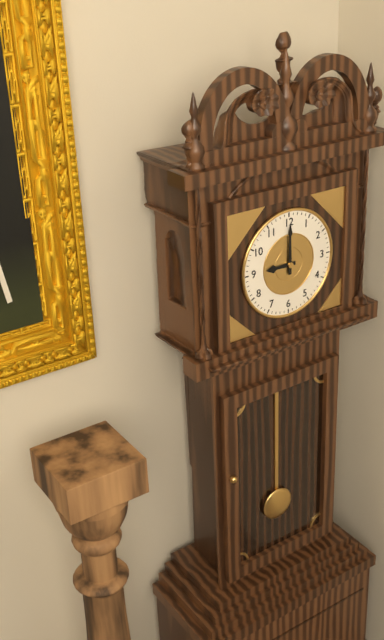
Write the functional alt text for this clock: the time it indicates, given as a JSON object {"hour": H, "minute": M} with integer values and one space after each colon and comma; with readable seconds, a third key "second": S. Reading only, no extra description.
{"hour": 9, "minute": 0}
